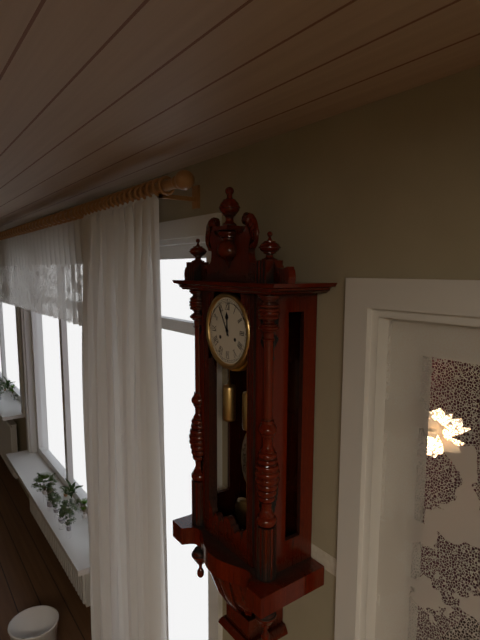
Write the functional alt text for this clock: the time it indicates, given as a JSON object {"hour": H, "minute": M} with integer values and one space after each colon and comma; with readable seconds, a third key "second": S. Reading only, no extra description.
{"hour": 11, "minute": 55}
